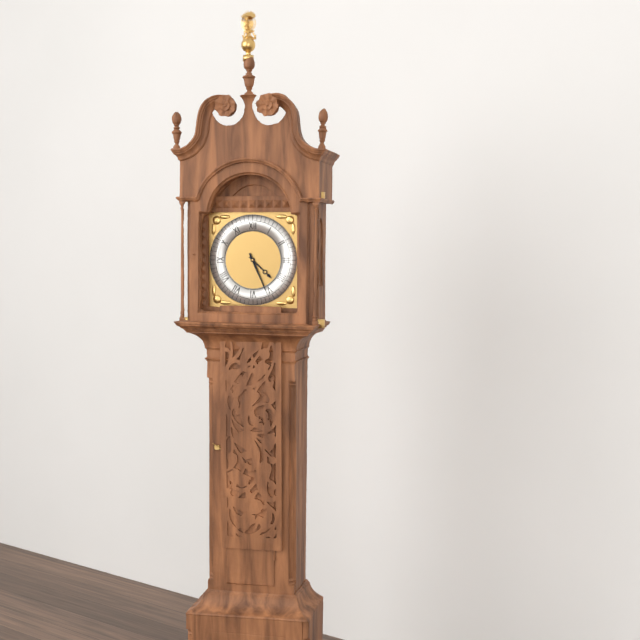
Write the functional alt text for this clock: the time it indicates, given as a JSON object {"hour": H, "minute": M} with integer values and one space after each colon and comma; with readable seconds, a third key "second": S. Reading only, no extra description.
{"hour": 4, "minute": 26}
